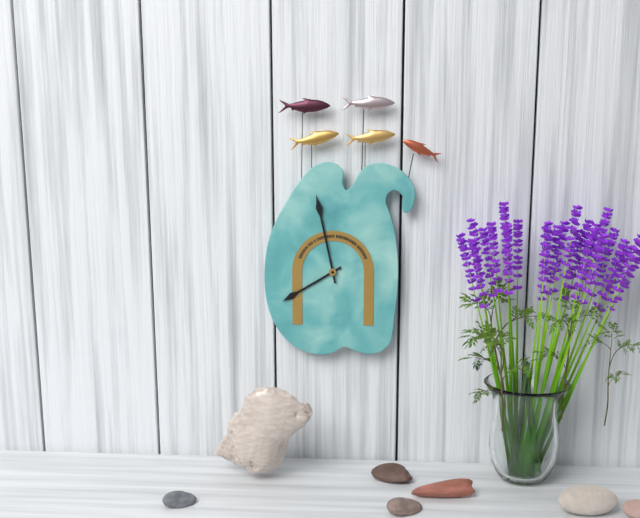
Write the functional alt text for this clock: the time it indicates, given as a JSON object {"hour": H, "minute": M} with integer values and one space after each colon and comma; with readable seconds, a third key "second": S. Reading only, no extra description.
{"hour": 7, "minute": 58}
